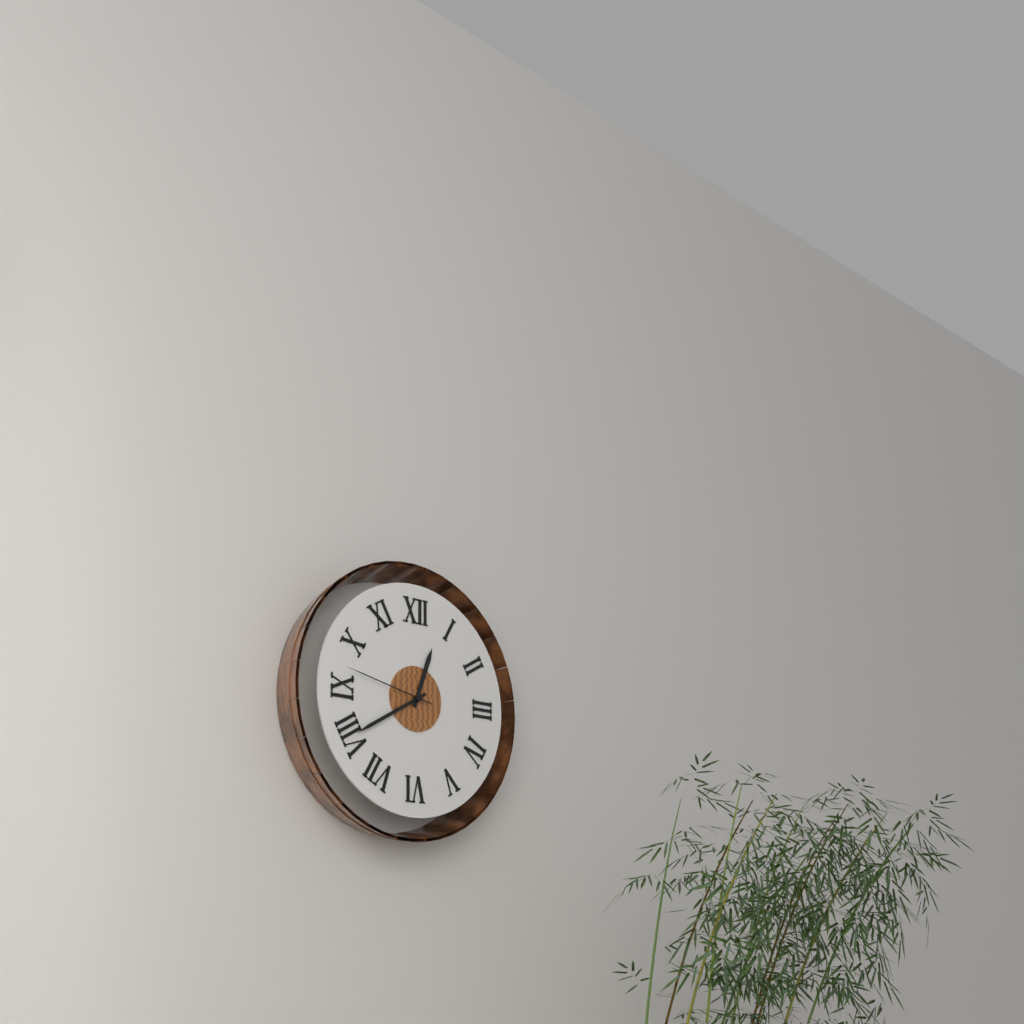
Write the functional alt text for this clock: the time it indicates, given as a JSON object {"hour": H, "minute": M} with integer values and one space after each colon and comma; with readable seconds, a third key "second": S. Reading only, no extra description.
{"hour": 12, "minute": 40, "second": 47}
